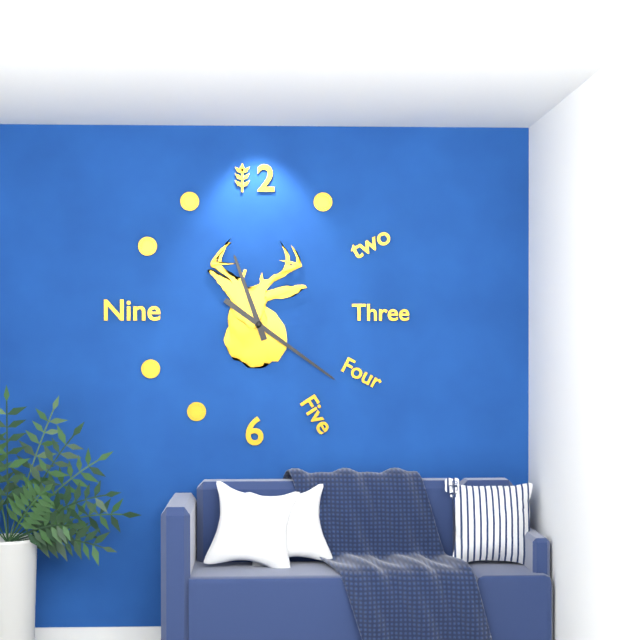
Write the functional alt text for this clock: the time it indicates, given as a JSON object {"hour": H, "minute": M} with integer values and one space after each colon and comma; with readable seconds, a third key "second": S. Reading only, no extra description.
{"hour": 11, "minute": 21}
